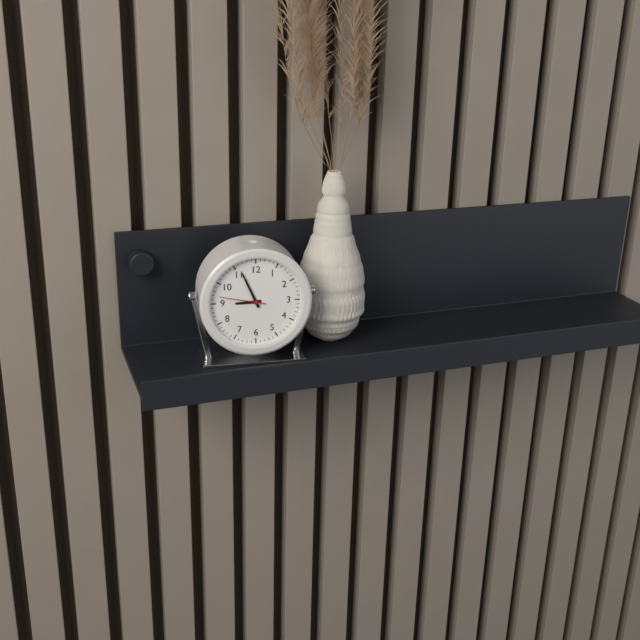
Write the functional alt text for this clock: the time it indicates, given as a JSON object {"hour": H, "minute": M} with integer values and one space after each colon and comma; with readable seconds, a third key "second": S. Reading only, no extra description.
{"hour": 8, "minute": 56}
